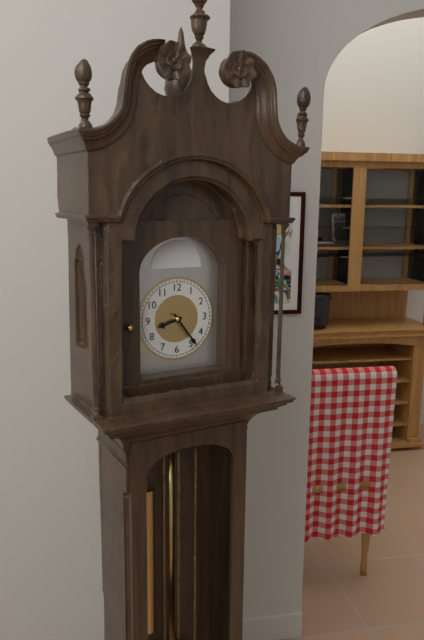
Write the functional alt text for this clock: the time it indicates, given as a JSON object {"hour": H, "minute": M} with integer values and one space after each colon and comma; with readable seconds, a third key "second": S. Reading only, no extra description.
{"hour": 8, "minute": 24}
